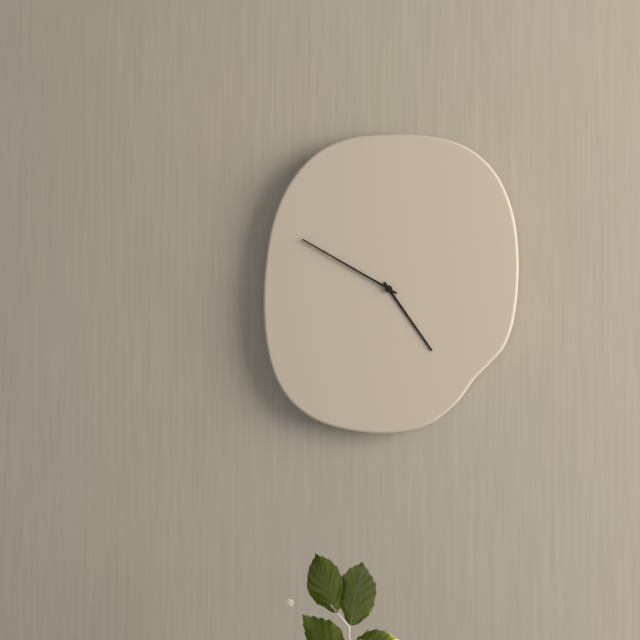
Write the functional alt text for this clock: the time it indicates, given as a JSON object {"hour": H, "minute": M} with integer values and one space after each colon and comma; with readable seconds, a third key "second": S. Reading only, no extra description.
{"hour": 4, "minute": 50}
